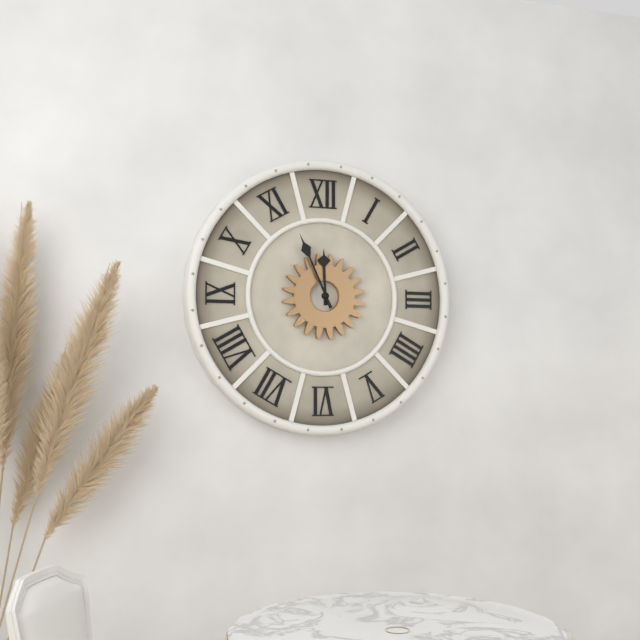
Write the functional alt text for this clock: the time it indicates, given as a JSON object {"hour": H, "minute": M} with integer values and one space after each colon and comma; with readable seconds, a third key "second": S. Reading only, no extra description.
{"hour": 11, "minute": 56}
